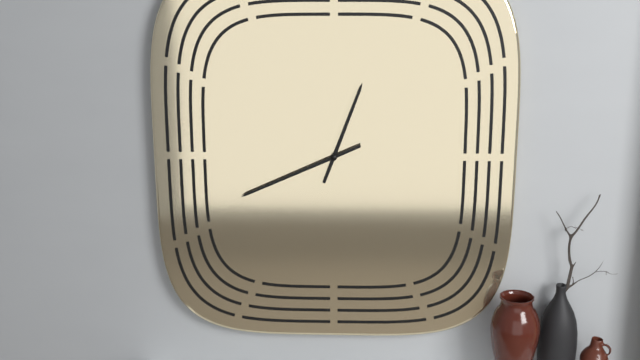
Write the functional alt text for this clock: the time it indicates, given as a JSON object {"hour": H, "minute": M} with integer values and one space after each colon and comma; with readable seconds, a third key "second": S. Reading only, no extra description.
{"hour": 12, "minute": 41}
